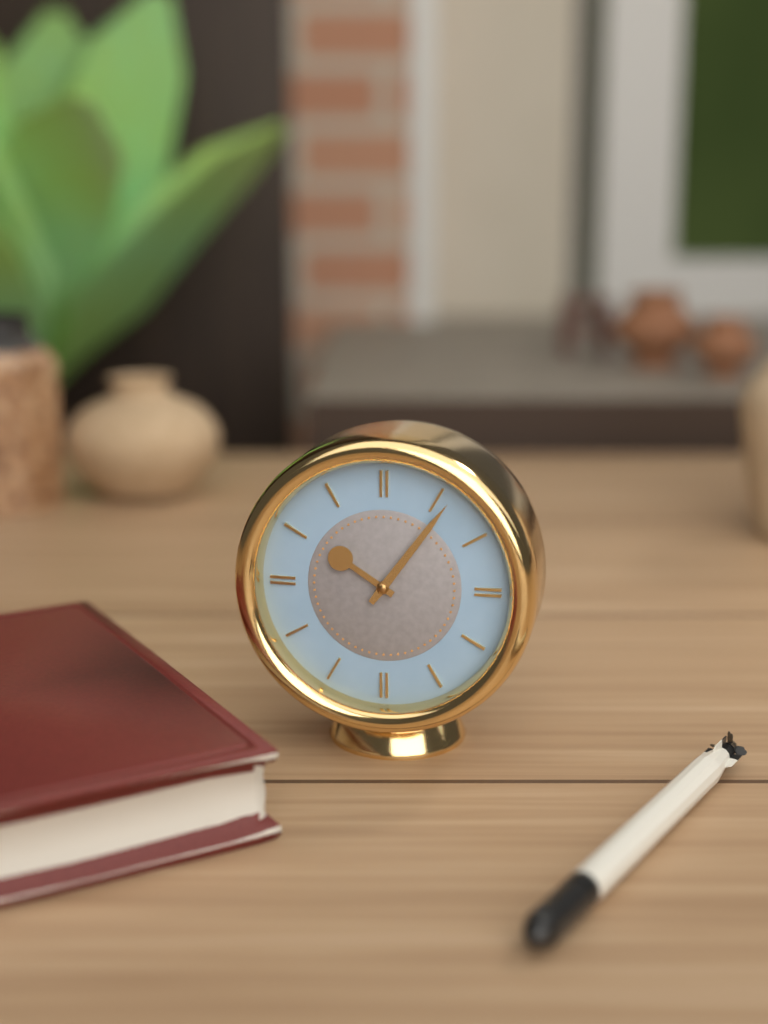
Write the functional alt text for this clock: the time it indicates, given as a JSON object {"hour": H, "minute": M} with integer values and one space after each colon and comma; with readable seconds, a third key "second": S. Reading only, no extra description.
{"hour": 10, "minute": 6}
